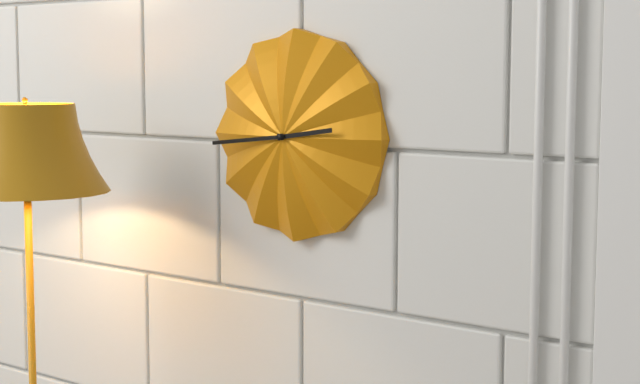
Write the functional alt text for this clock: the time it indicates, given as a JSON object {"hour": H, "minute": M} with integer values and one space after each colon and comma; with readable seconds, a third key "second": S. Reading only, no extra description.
{"hour": 2, "minute": 44}
